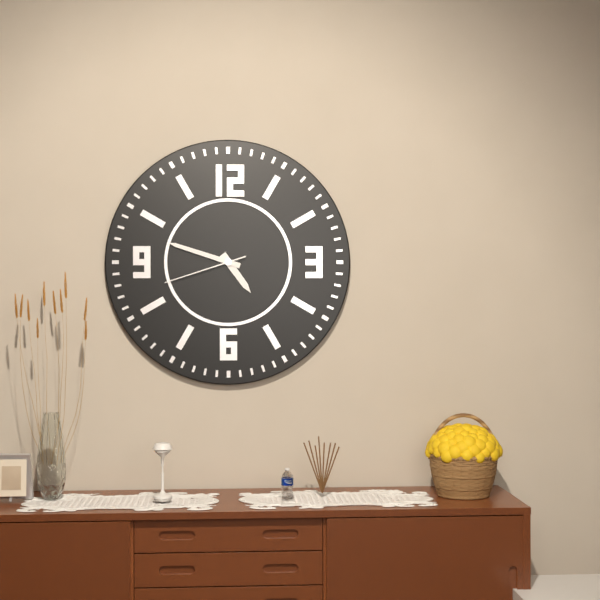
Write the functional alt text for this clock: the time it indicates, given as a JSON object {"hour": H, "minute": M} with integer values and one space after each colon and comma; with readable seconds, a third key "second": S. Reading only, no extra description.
{"hour": 4, "minute": 48, "second": 42}
